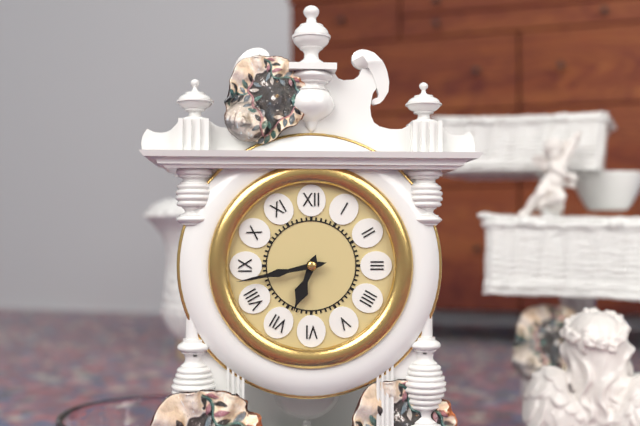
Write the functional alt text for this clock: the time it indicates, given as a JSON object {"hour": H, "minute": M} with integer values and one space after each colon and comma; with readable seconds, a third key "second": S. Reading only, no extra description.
{"hour": 6, "minute": 43}
